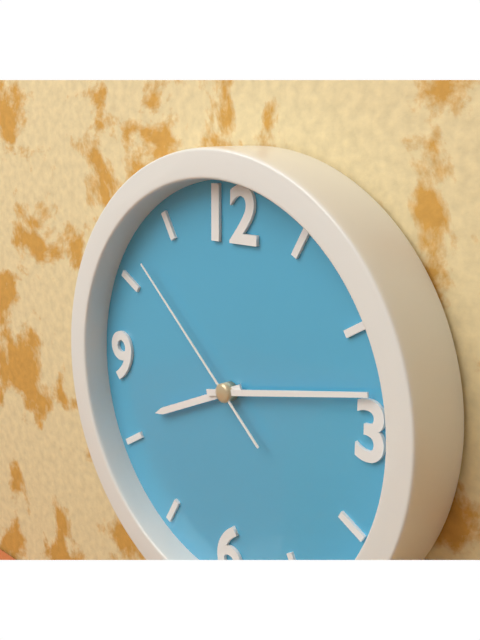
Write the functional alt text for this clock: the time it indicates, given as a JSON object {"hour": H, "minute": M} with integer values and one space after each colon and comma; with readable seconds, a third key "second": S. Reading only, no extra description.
{"hour": 8, "minute": 13, "second": 52}
